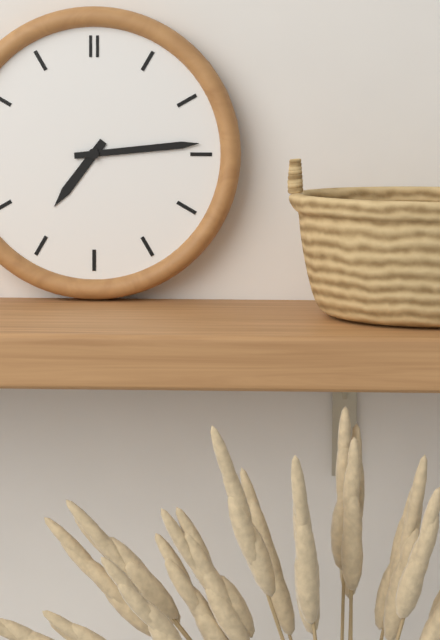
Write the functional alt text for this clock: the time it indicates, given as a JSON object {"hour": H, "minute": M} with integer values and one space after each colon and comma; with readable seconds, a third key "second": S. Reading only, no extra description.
{"hour": 7, "minute": 14}
